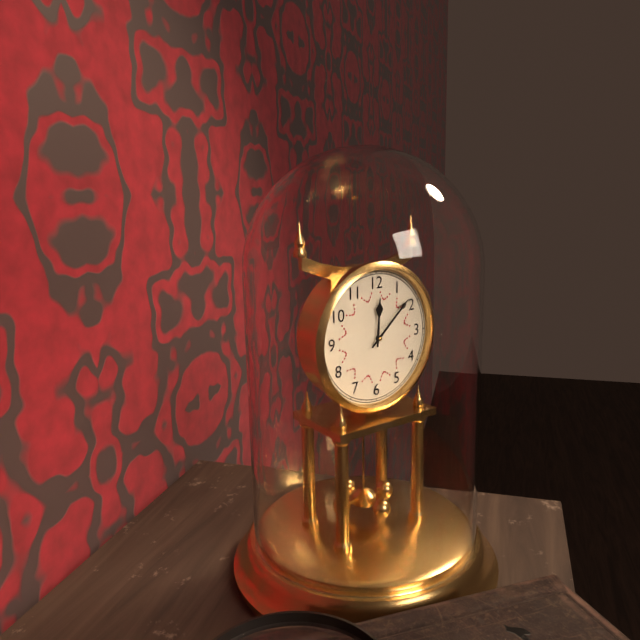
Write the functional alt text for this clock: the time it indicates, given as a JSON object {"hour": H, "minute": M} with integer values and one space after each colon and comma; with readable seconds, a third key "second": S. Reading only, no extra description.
{"hour": 12, "minute": 8}
